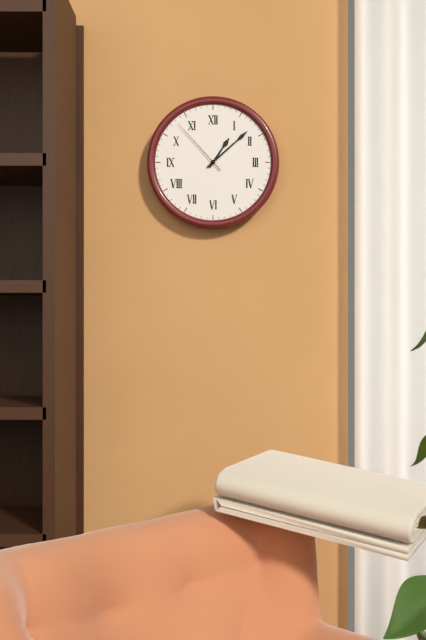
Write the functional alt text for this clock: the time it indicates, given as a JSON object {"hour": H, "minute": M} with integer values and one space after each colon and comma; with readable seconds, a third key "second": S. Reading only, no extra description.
{"hour": 1, "minute": 8, "second": 53}
